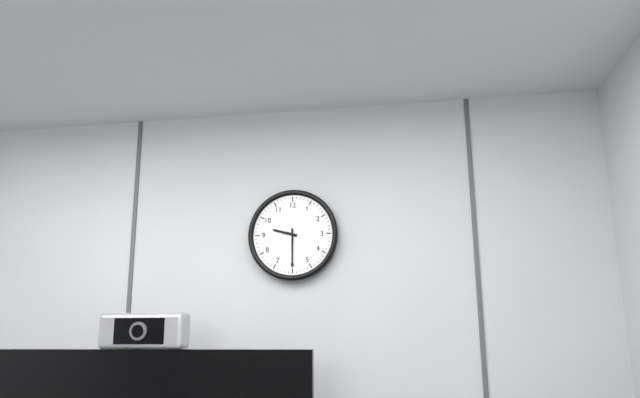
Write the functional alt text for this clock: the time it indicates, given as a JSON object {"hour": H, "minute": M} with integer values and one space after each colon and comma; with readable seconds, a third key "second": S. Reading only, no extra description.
{"hour": 9, "minute": 30}
